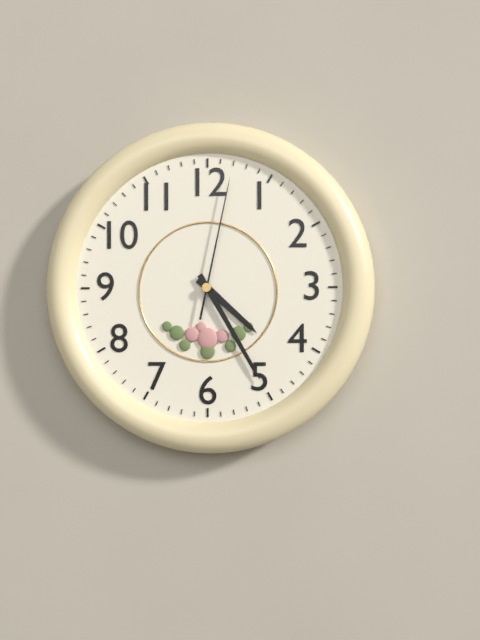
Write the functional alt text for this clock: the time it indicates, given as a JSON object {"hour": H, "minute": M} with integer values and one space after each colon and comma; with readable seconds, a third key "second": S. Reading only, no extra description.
{"hour": 4, "minute": 25, "second": 2}
